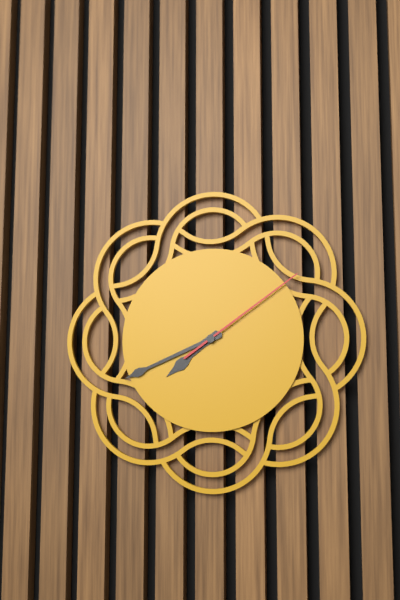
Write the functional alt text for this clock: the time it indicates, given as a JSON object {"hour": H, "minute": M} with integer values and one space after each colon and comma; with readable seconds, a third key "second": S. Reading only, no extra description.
{"hour": 7, "minute": 41, "second": 9}
